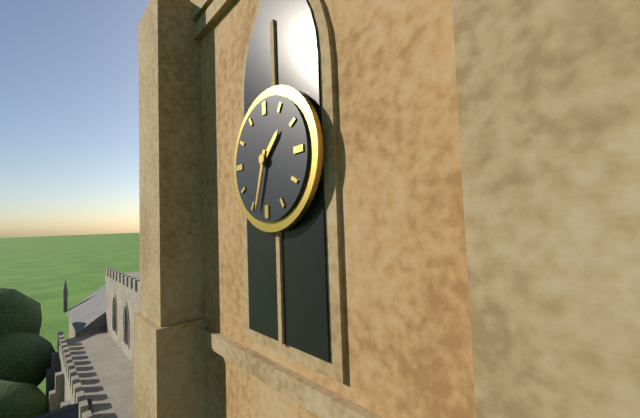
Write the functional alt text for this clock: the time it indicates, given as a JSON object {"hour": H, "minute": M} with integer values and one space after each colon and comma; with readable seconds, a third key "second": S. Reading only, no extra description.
{"hour": 1, "minute": 33}
